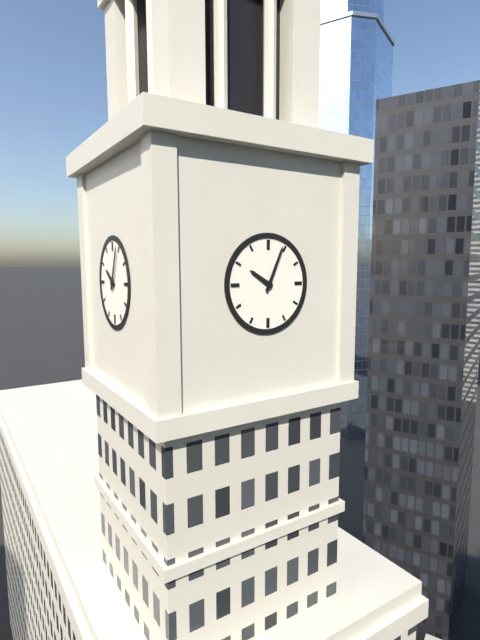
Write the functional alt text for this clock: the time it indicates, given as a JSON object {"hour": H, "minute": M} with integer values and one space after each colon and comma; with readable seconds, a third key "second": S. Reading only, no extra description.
{"hour": 10, "minute": 4}
